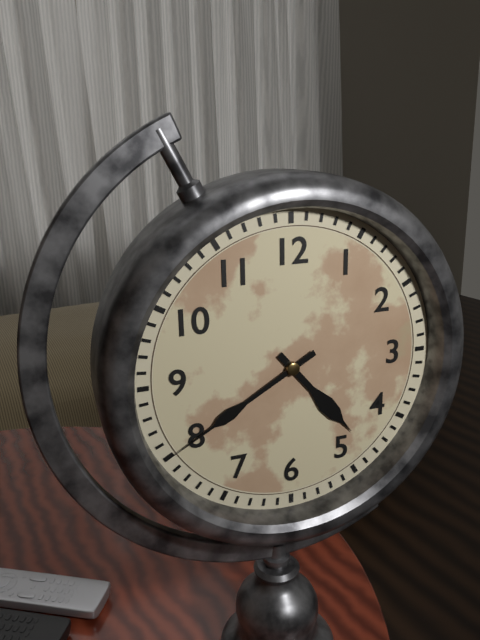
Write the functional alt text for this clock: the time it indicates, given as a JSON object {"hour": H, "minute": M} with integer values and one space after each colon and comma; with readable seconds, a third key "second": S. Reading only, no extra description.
{"hour": 4, "minute": 40}
